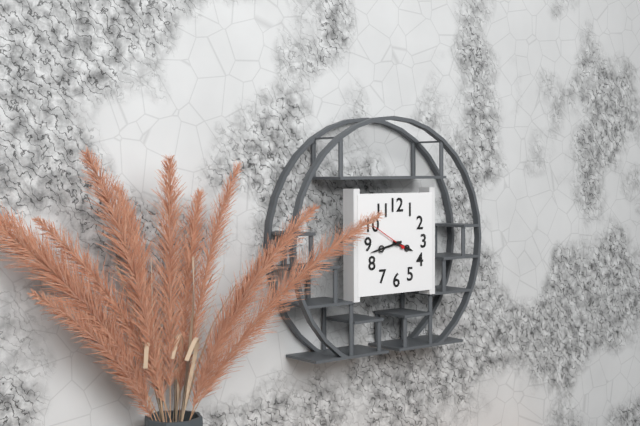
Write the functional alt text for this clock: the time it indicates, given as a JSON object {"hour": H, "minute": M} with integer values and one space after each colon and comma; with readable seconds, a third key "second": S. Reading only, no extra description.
{"hour": 3, "minute": 43}
